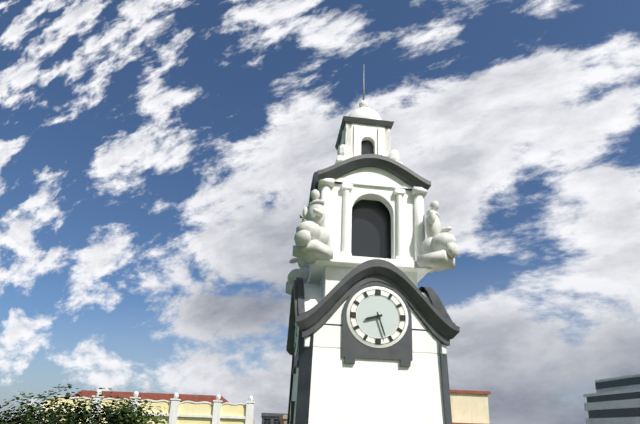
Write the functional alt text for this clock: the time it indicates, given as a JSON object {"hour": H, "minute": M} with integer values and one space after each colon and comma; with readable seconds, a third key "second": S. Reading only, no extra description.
{"hour": 8, "minute": 27}
